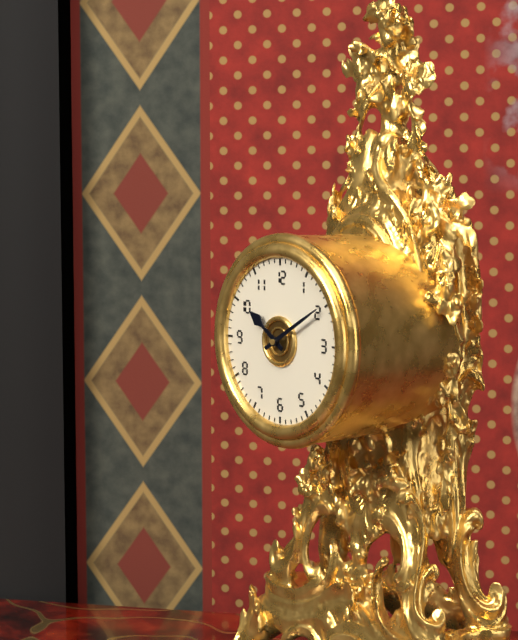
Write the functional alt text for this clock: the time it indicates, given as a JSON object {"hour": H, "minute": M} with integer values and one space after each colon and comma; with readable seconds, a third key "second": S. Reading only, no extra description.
{"hour": 10, "minute": 10}
